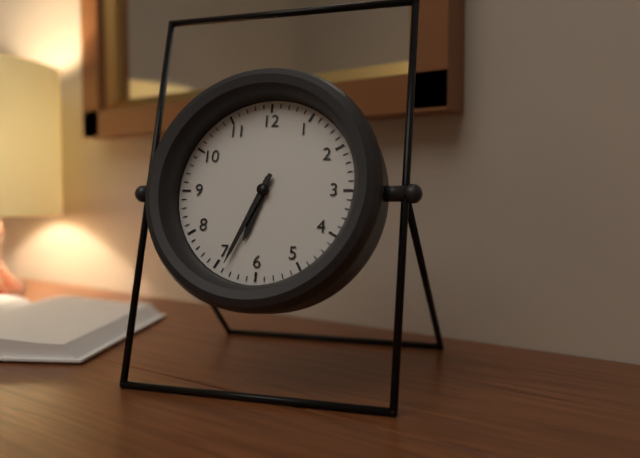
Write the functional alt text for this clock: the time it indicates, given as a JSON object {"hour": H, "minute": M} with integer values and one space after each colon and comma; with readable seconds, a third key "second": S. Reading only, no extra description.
{"hour": 6, "minute": 34}
